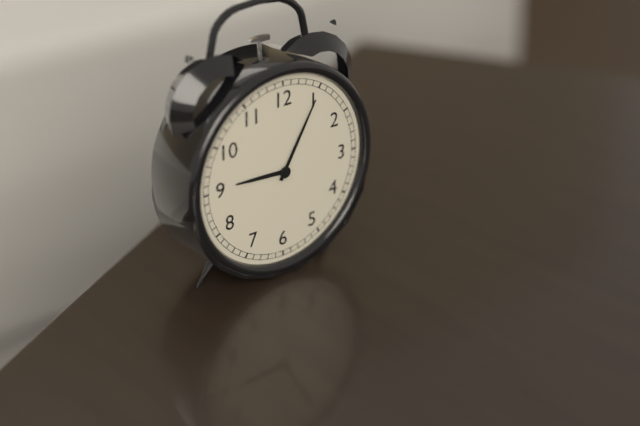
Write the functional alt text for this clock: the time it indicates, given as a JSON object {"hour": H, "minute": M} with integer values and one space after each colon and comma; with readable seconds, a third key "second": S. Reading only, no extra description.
{"hour": 9, "minute": 5}
